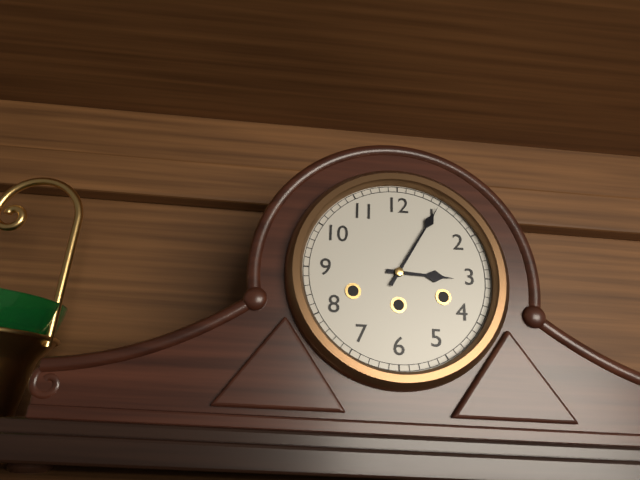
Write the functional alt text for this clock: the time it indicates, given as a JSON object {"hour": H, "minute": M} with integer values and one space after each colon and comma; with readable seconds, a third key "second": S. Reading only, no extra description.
{"hour": 3, "minute": 5}
